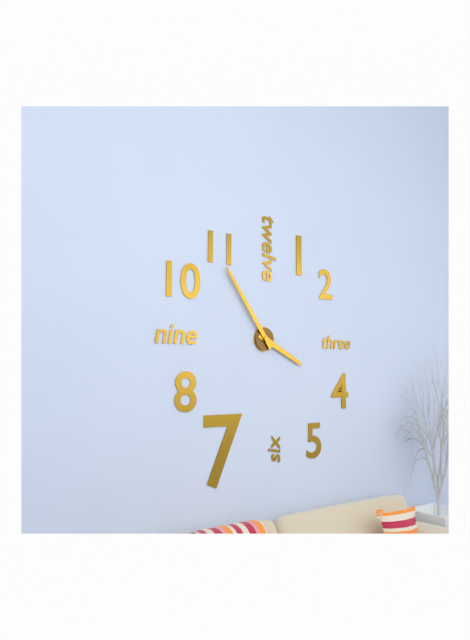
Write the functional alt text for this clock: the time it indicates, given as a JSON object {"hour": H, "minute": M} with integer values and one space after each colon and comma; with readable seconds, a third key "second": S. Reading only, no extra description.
{"hour": 3, "minute": 54}
